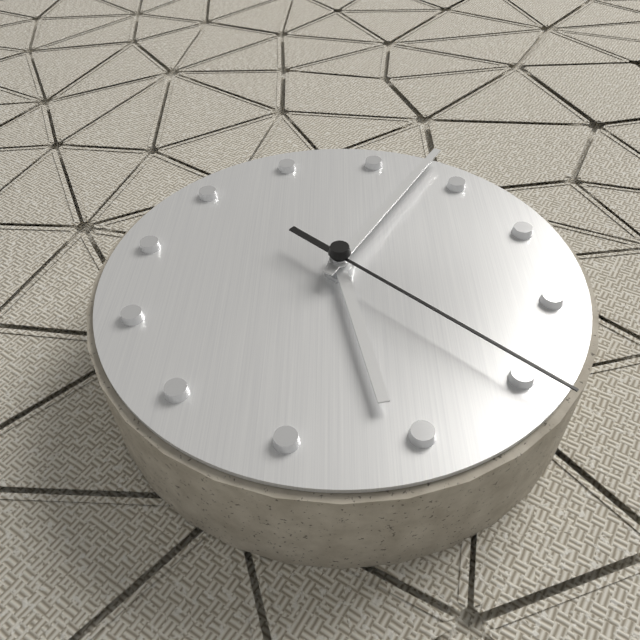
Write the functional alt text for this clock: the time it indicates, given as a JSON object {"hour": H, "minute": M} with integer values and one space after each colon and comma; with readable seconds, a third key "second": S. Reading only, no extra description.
{"hour": 7, "minute": 13, "second": 30}
